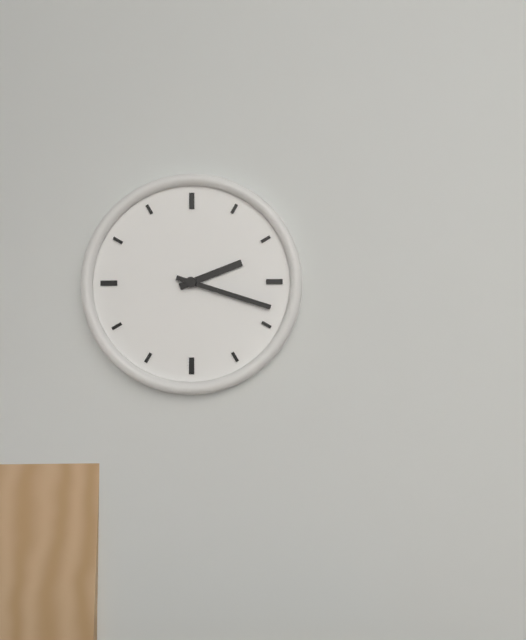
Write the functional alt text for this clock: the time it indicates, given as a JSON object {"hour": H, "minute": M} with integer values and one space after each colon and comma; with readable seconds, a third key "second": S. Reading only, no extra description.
{"hour": 2, "minute": 18}
